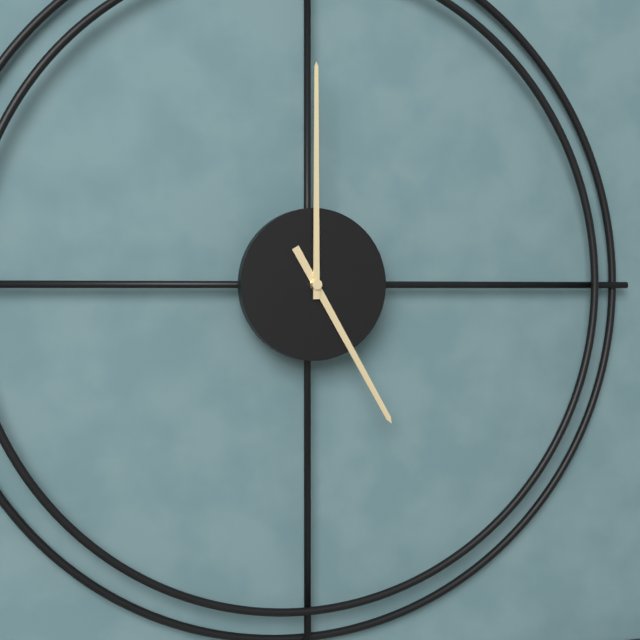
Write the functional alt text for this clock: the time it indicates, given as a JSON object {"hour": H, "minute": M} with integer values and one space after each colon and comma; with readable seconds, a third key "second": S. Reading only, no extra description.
{"hour": 5, "minute": 0}
